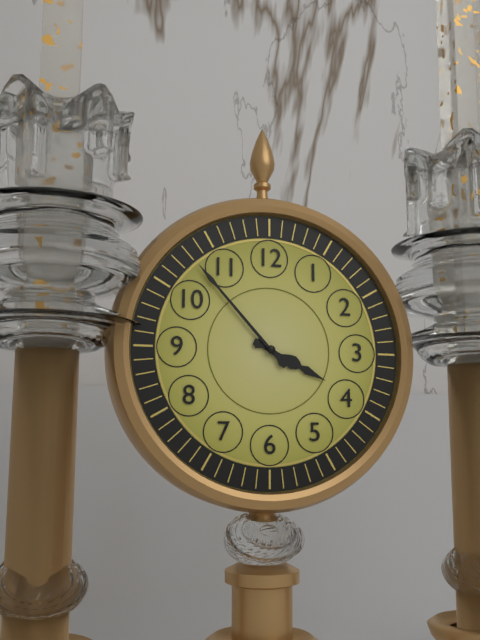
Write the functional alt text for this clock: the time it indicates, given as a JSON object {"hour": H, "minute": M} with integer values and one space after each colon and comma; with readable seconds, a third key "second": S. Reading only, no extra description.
{"hour": 3, "minute": 53}
